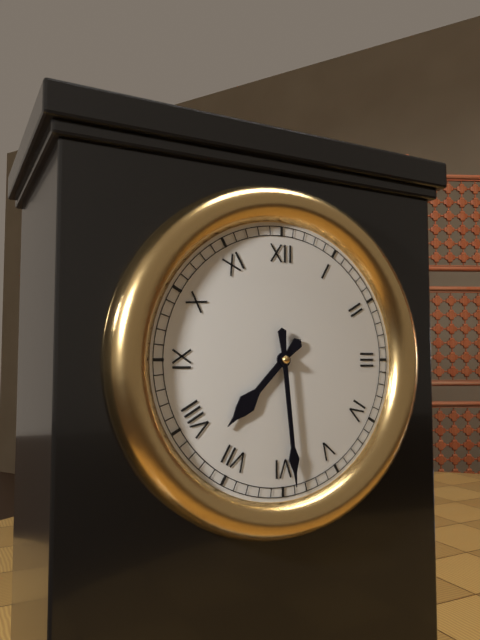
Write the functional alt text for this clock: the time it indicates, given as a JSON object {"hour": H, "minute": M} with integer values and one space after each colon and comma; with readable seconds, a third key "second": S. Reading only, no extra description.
{"hour": 7, "minute": 29}
